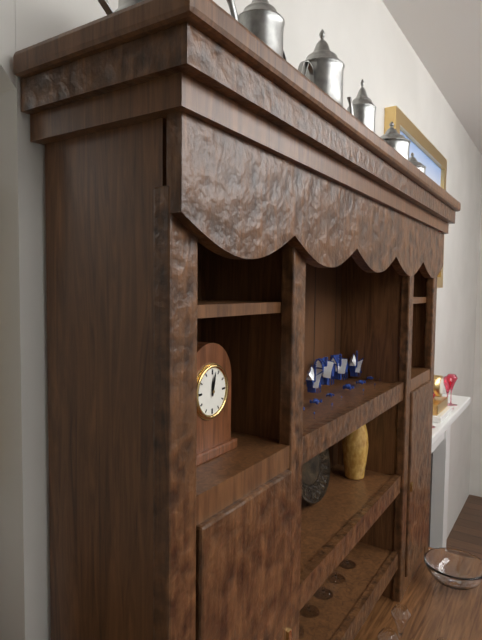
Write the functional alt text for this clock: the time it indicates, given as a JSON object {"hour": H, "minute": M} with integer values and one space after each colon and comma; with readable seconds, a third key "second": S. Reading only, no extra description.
{"hour": 12, "minute": 2}
